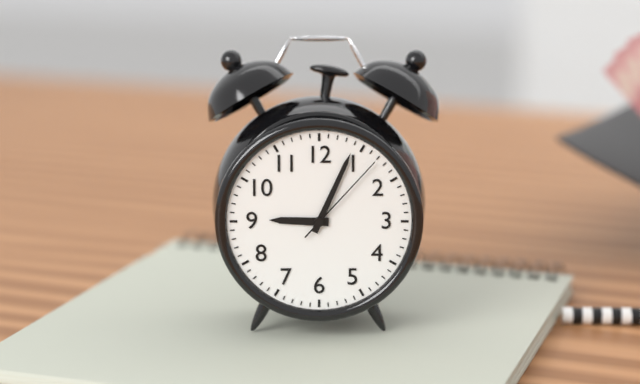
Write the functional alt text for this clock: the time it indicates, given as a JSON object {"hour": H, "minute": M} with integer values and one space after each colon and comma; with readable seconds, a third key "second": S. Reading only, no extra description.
{"hour": 9, "minute": 4, "second": 7}
